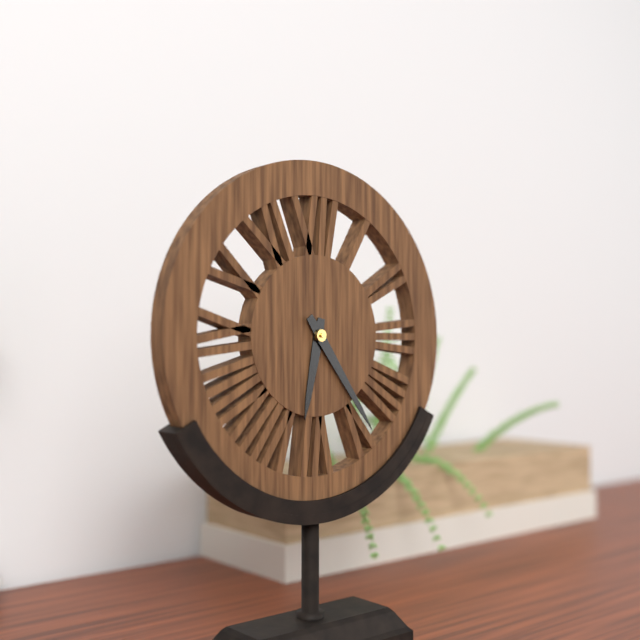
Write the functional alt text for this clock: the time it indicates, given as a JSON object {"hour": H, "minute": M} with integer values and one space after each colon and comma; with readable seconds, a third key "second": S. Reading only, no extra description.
{"hour": 6, "minute": 24}
